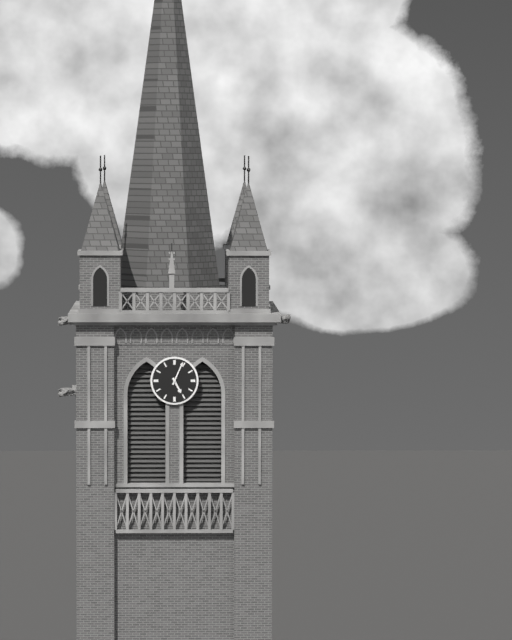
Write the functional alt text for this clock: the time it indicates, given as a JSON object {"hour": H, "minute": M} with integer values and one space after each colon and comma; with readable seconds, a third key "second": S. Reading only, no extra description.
{"hour": 5, "minute": 4}
